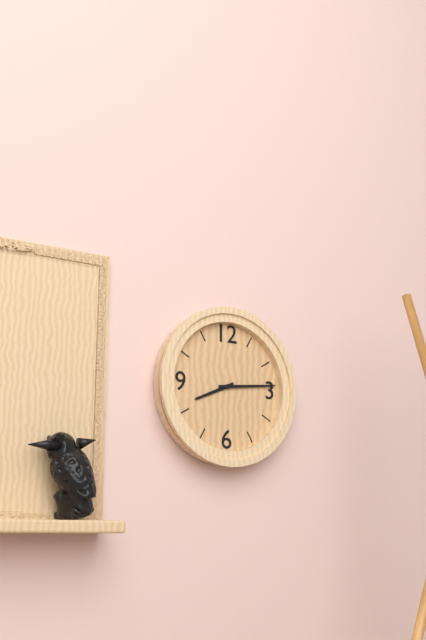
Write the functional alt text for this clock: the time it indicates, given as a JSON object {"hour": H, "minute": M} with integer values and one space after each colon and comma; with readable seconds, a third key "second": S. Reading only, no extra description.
{"hour": 8, "minute": 14}
